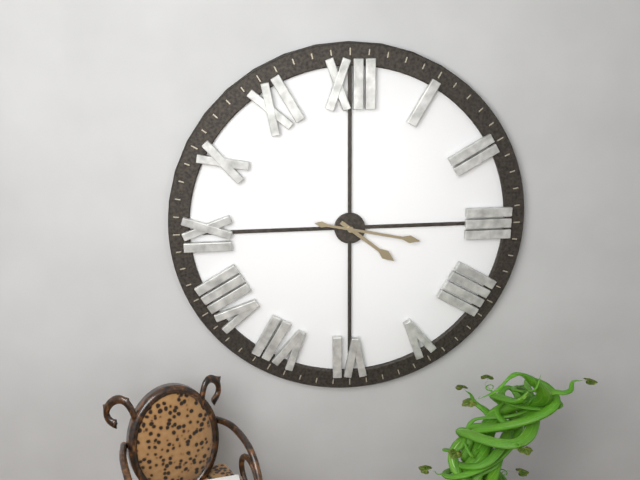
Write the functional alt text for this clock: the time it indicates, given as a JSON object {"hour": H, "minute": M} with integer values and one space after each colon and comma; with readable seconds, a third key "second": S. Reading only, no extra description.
{"hour": 4, "minute": 17}
